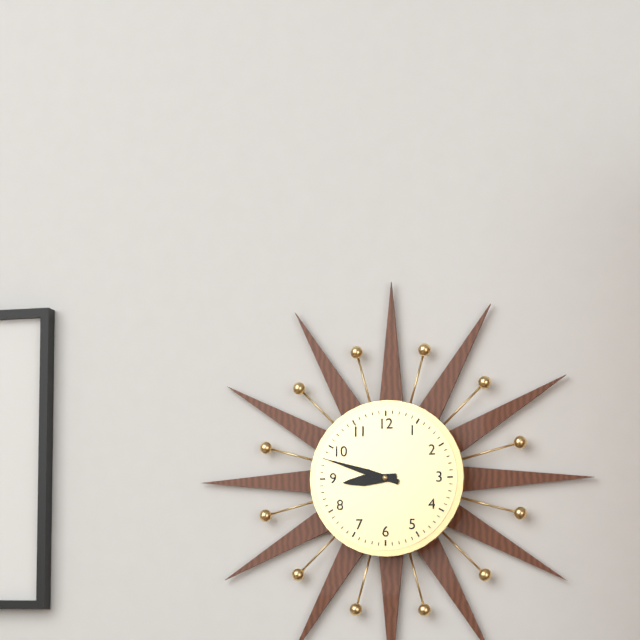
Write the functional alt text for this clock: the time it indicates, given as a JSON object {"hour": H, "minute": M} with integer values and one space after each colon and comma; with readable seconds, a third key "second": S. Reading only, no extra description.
{"hour": 8, "minute": 48}
